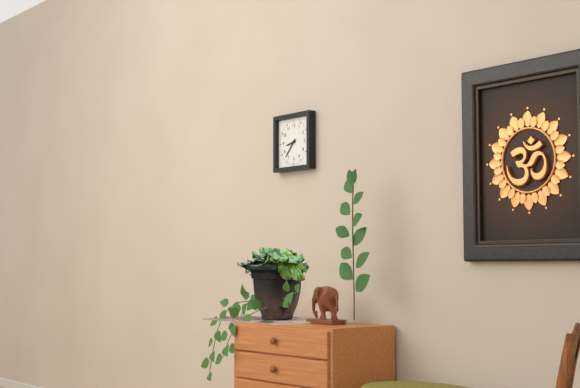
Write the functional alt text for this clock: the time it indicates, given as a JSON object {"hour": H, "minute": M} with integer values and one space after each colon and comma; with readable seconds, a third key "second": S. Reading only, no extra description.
{"hour": 8, "minute": 37}
